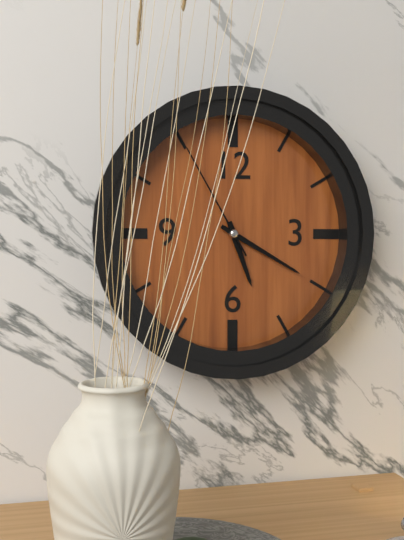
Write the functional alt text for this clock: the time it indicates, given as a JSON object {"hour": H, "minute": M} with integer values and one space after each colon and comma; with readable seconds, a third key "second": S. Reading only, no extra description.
{"hour": 5, "minute": 20, "second": 55}
